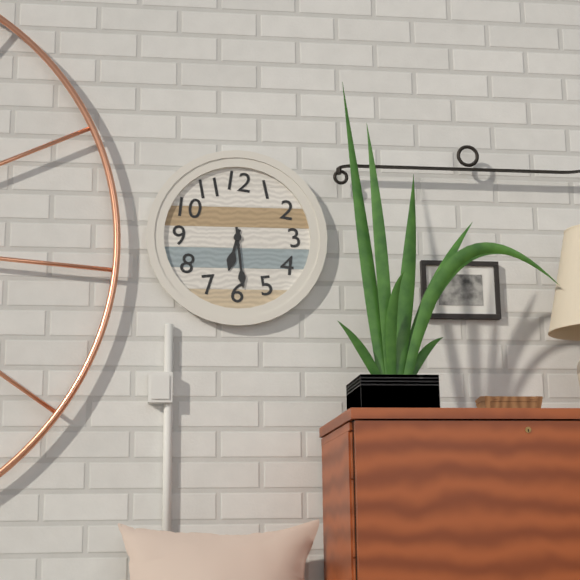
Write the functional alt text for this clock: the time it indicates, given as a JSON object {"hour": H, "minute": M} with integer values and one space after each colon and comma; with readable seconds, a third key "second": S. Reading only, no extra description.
{"hour": 6, "minute": 29}
